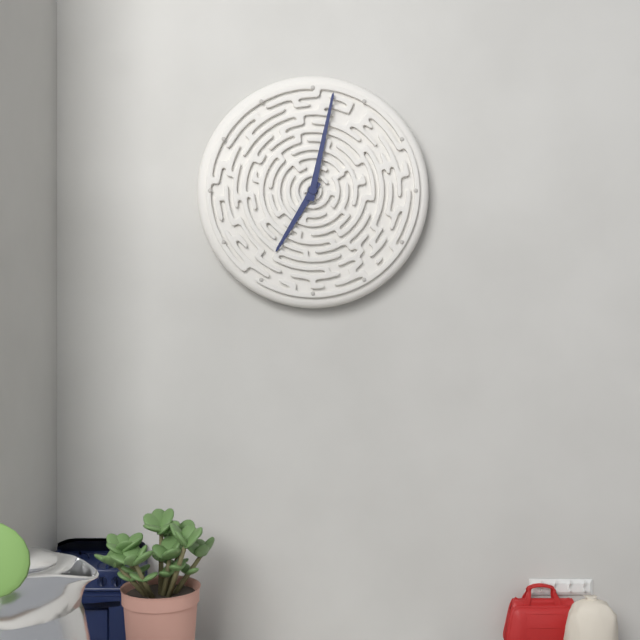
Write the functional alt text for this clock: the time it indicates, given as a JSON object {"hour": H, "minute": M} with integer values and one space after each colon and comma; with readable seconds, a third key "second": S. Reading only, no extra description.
{"hour": 7, "minute": 2}
